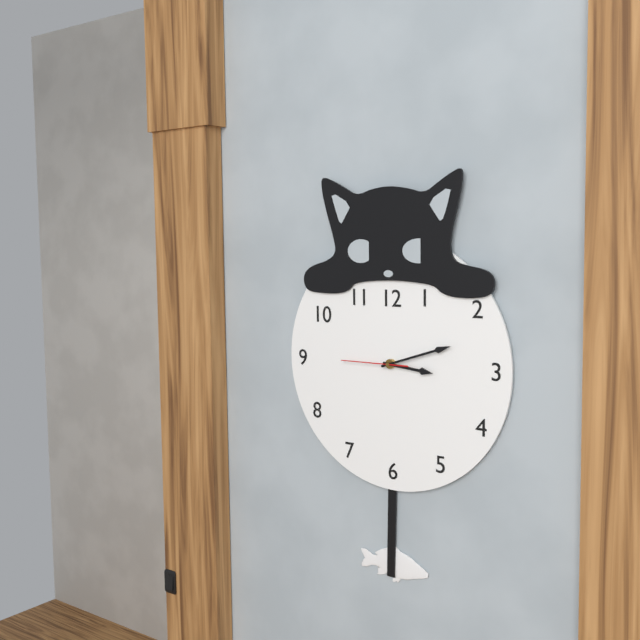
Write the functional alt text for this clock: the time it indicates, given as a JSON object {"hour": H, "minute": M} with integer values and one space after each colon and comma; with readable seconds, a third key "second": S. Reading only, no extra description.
{"hour": 3, "minute": 12, "second": 45}
